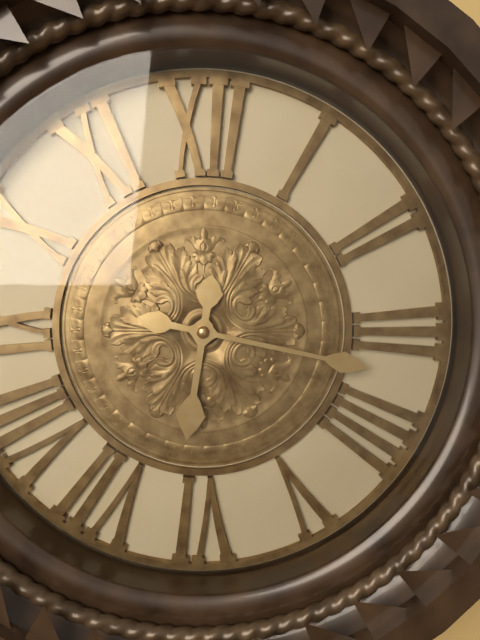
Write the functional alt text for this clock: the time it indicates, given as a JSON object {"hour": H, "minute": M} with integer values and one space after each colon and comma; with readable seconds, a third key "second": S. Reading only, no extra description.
{"hour": 6, "minute": 17}
